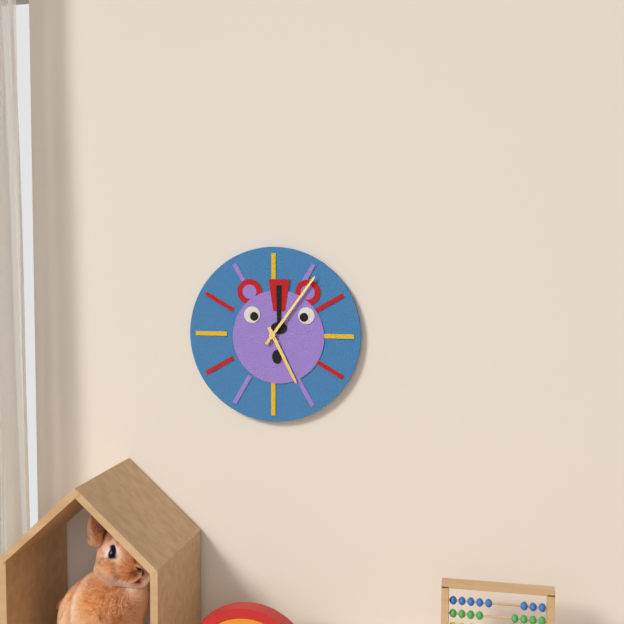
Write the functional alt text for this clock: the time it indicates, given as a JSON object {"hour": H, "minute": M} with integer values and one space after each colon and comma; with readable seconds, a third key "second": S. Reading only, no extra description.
{"hour": 5, "minute": 6}
